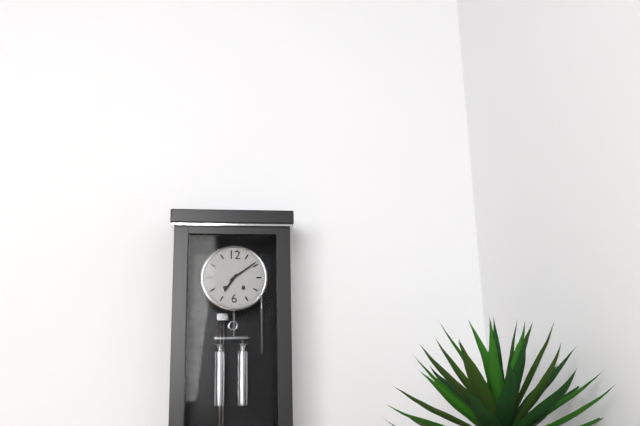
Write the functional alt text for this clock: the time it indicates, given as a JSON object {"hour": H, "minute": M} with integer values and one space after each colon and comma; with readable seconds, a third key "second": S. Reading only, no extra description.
{"hour": 7, "minute": 9}
